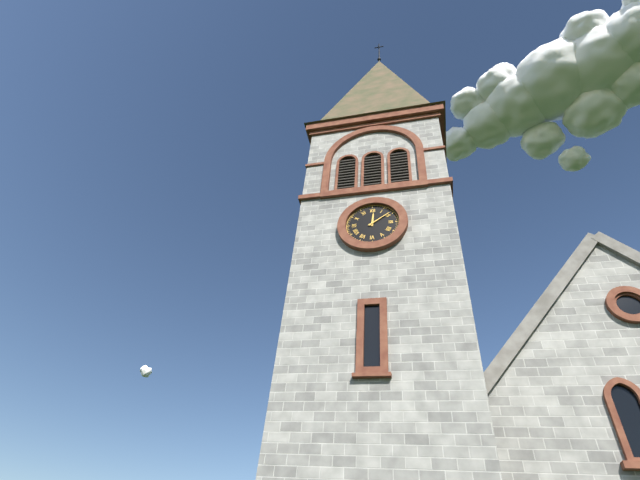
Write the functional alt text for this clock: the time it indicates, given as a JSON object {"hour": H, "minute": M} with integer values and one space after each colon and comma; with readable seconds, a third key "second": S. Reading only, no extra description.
{"hour": 12, "minute": 9}
